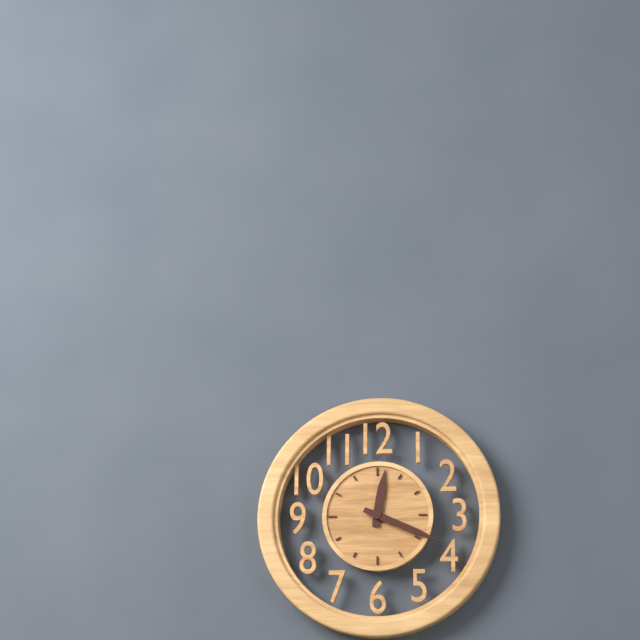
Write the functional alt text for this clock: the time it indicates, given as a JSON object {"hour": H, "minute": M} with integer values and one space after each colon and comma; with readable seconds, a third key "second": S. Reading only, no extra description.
{"hour": 12, "minute": 19}
